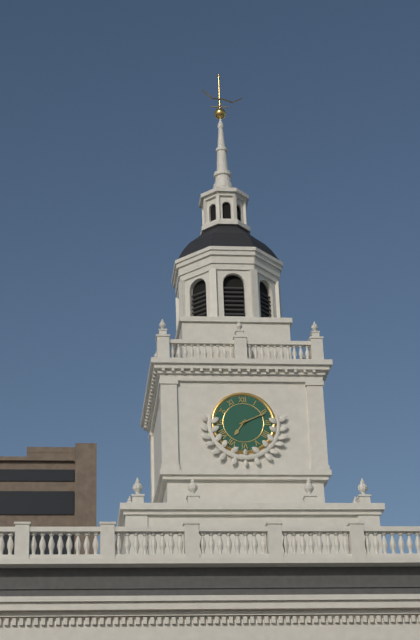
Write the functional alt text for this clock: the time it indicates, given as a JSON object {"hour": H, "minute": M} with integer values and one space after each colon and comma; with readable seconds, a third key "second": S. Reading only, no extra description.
{"hour": 7, "minute": 11}
